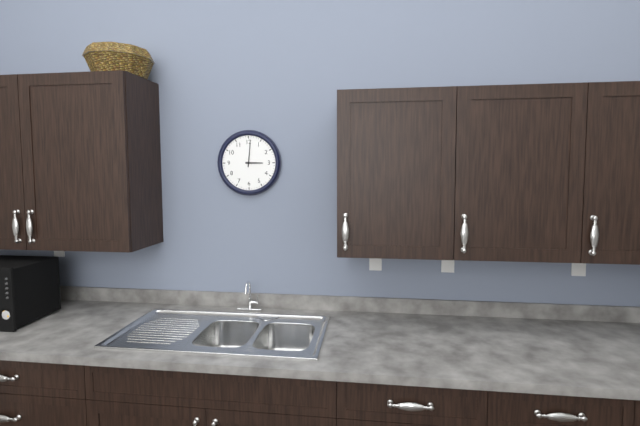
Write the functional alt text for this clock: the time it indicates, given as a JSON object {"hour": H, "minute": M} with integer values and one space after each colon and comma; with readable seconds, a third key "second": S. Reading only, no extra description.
{"hour": 3, "minute": 1}
